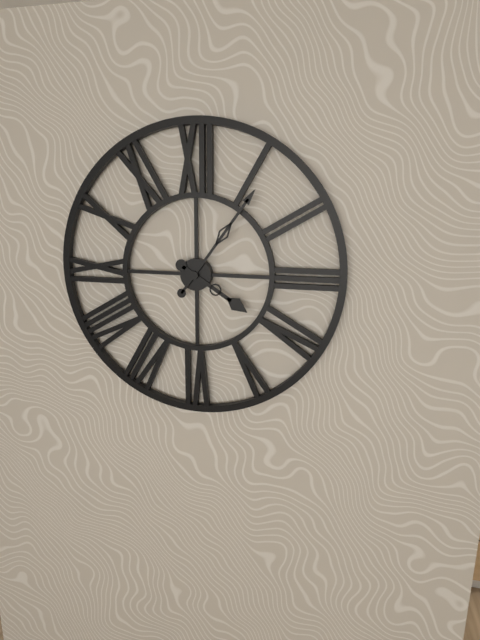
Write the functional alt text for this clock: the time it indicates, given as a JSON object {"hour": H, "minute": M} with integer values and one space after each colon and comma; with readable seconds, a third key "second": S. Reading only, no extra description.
{"hour": 4, "minute": 6}
